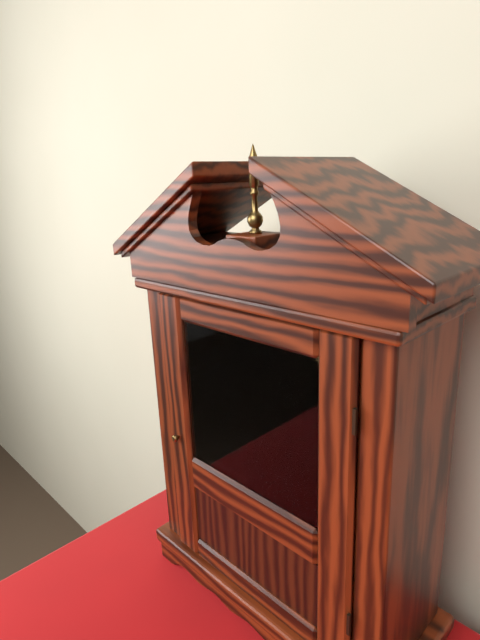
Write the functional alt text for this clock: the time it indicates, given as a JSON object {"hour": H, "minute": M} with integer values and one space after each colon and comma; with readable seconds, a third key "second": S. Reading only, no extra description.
{"hour": 2, "minute": 26}
